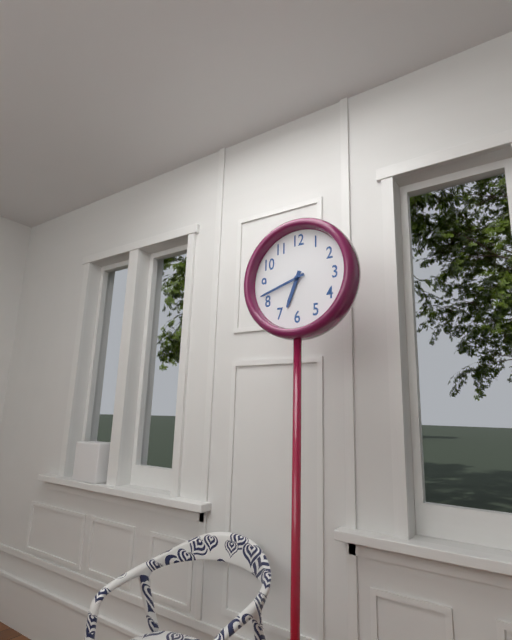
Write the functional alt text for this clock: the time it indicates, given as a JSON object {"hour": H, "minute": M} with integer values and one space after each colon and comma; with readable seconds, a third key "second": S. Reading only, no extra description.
{"hour": 6, "minute": 42}
